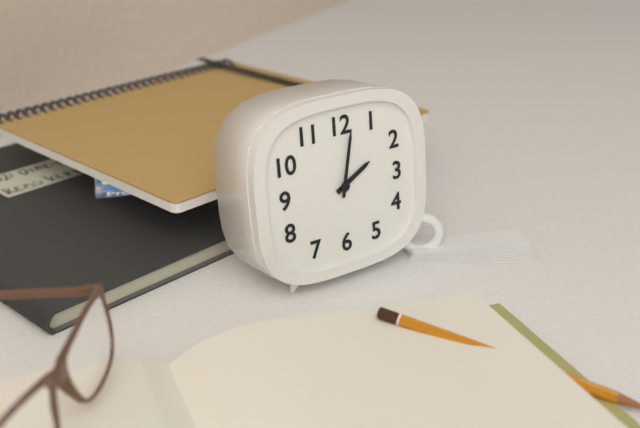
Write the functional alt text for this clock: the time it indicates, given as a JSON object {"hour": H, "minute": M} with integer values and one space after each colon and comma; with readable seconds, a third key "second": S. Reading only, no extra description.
{"hour": 2, "minute": 2}
